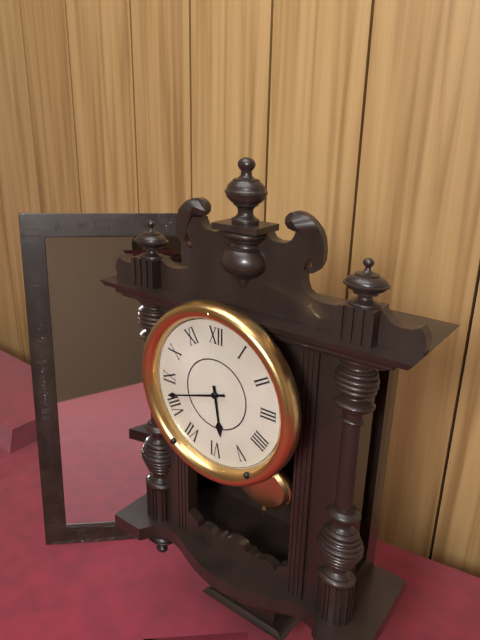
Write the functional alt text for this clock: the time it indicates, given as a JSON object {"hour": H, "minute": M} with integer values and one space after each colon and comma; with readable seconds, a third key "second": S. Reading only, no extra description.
{"hour": 5, "minute": 42}
